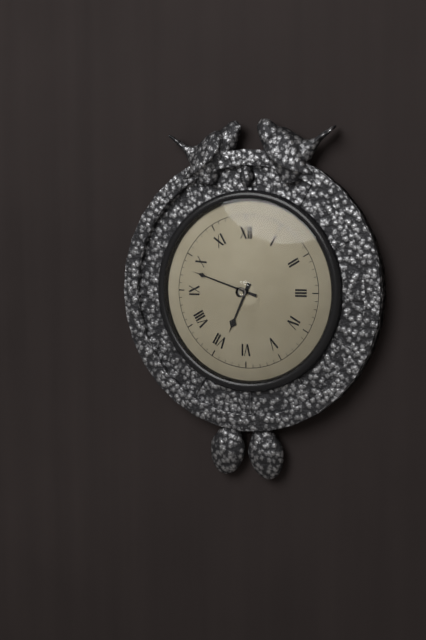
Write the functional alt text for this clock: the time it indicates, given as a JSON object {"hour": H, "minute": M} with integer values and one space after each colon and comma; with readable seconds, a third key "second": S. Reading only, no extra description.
{"hour": 6, "minute": 48}
